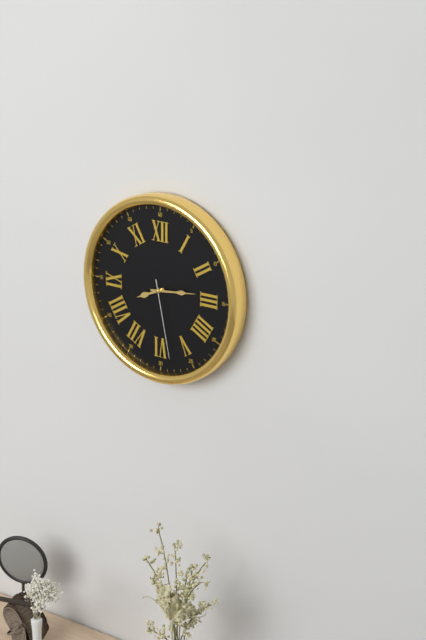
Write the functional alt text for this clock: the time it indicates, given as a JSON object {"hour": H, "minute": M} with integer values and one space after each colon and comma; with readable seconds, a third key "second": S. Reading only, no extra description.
{"hour": 8, "minute": 14, "second": 28}
